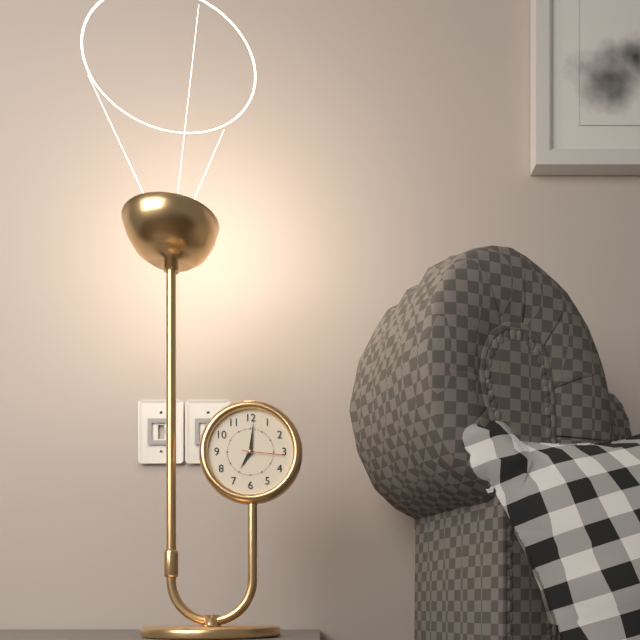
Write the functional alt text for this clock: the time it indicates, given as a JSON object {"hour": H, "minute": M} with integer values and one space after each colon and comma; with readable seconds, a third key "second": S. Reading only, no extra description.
{"hour": 7, "minute": 1}
